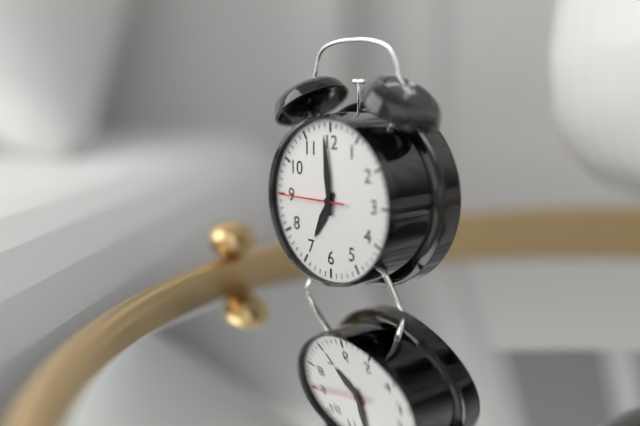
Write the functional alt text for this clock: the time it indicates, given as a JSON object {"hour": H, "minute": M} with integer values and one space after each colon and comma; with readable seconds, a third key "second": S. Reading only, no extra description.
{"hour": 6, "minute": 59, "second": 45}
